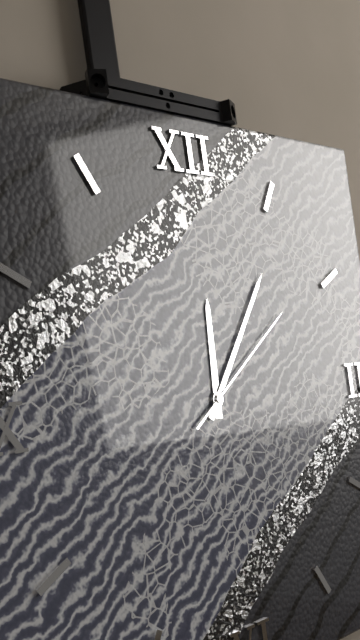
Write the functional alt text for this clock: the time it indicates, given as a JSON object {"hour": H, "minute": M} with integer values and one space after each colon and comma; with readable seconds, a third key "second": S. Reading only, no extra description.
{"hour": 12, "minute": 6, "second": 9}
